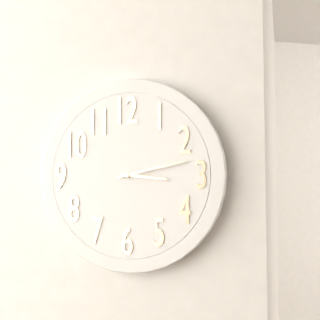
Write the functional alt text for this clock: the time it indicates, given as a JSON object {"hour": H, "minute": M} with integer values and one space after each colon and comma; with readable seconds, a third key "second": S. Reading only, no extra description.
{"hour": 3, "minute": 13}
